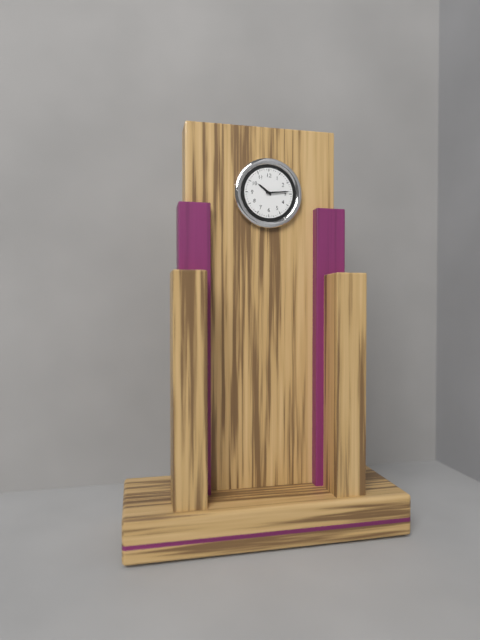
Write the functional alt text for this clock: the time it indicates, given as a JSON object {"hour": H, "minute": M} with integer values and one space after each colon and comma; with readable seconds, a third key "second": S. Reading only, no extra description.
{"hour": 10, "minute": 14}
